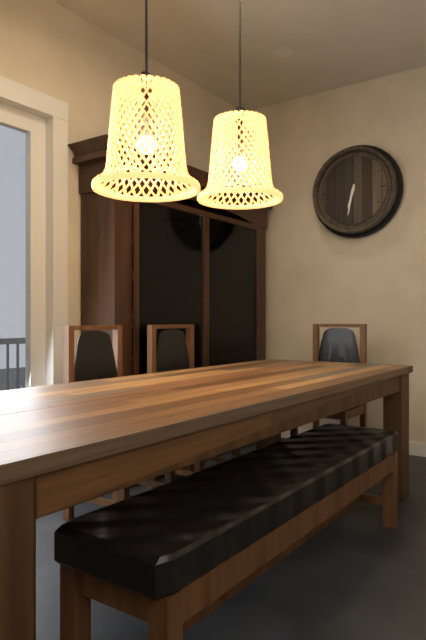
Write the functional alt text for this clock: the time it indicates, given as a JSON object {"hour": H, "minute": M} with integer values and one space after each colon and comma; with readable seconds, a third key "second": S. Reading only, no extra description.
{"hour": 6, "minute": 32}
